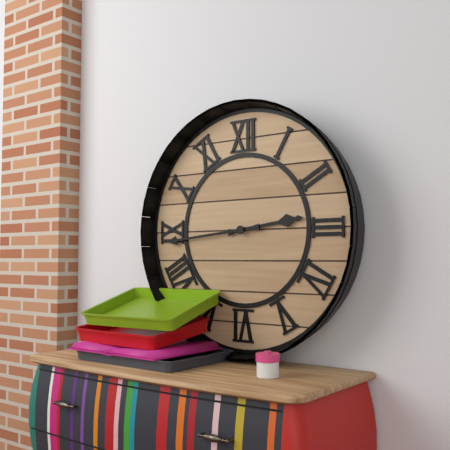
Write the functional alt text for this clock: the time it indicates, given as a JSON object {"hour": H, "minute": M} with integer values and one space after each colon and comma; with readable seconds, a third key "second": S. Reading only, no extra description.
{"hour": 2, "minute": 44}
